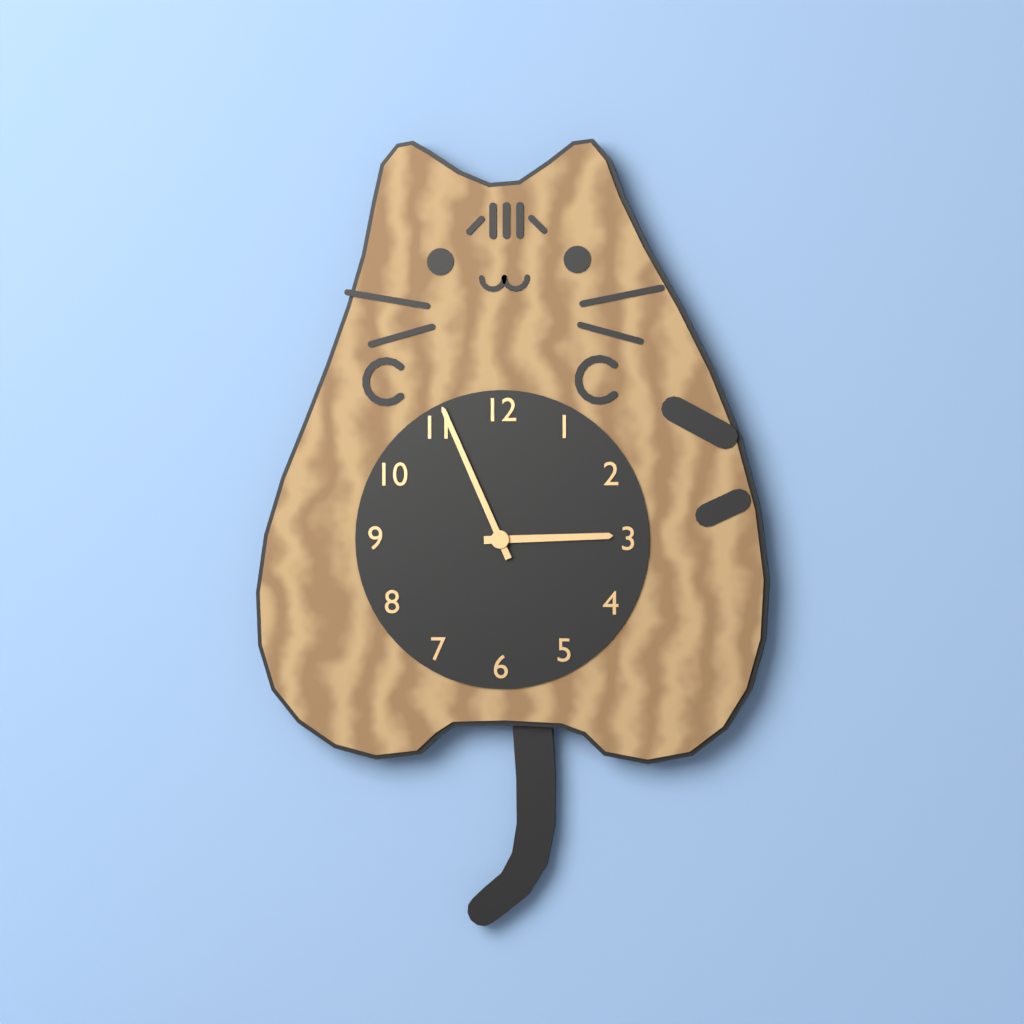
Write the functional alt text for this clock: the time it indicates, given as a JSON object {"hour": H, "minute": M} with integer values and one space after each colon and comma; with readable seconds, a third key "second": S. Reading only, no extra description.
{"hour": 2, "minute": 56}
